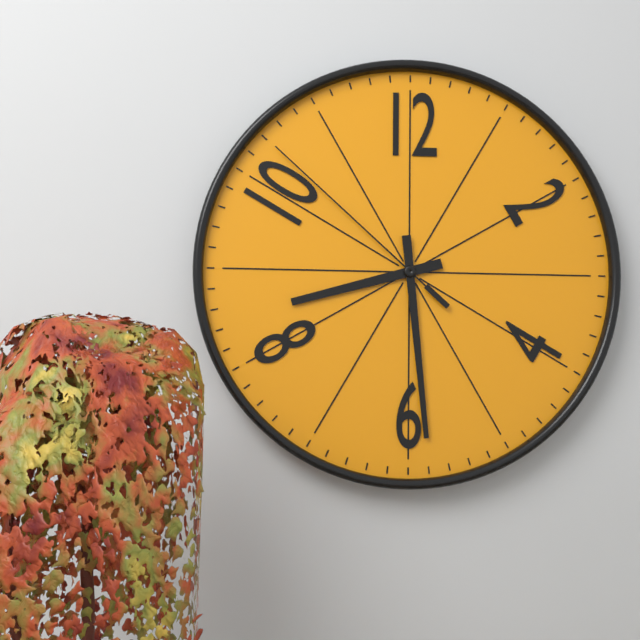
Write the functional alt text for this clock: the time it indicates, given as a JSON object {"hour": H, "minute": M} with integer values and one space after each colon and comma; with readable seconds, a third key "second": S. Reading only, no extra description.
{"hour": 8, "minute": 29, "second": 52}
